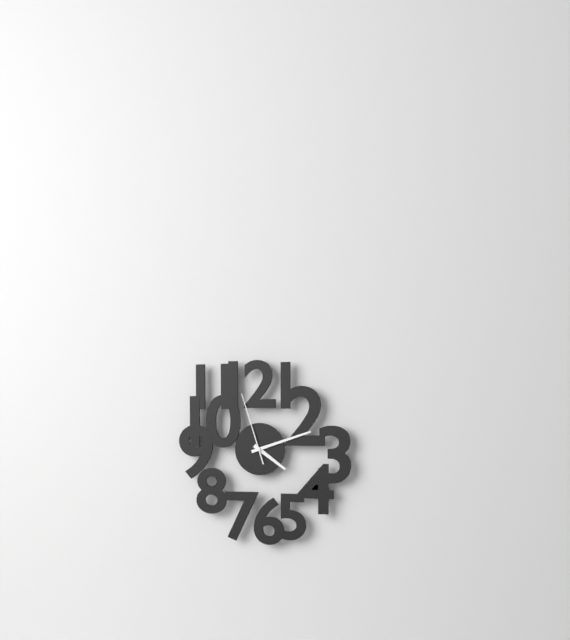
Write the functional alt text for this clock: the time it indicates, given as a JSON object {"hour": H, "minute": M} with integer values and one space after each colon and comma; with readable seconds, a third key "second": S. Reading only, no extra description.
{"hour": 4, "minute": 12, "second": 57}
